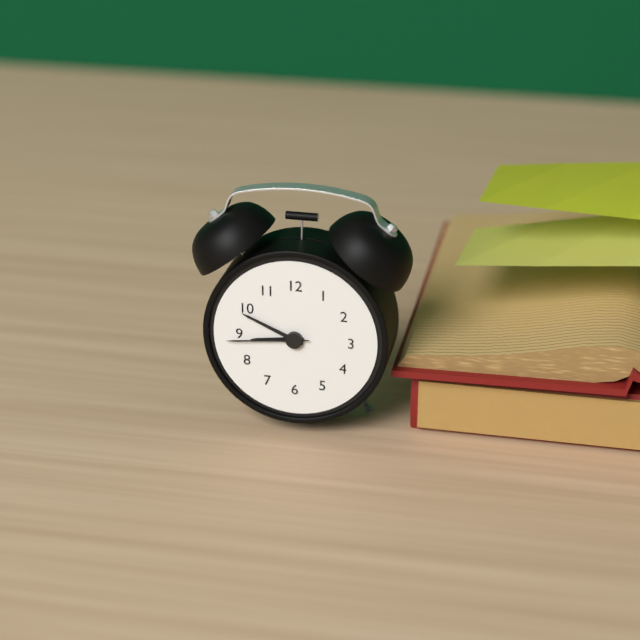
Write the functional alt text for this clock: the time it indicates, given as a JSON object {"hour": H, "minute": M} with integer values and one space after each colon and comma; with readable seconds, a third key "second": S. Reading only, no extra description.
{"hour": 8, "minute": 49, "second": 44}
